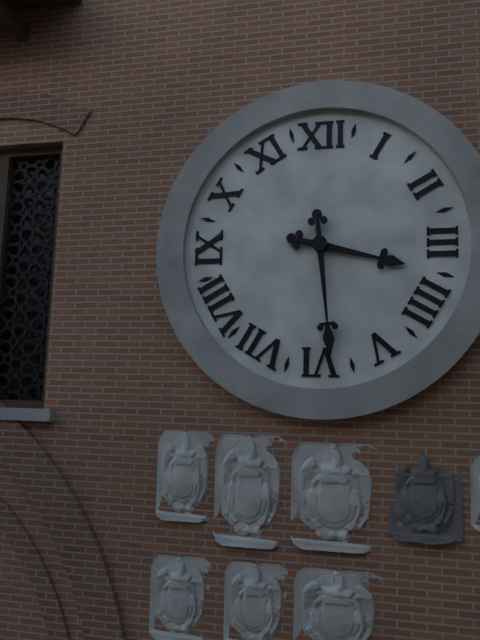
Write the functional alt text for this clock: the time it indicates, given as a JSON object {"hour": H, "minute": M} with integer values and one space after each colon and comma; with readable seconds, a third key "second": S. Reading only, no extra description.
{"hour": 3, "minute": 29}
